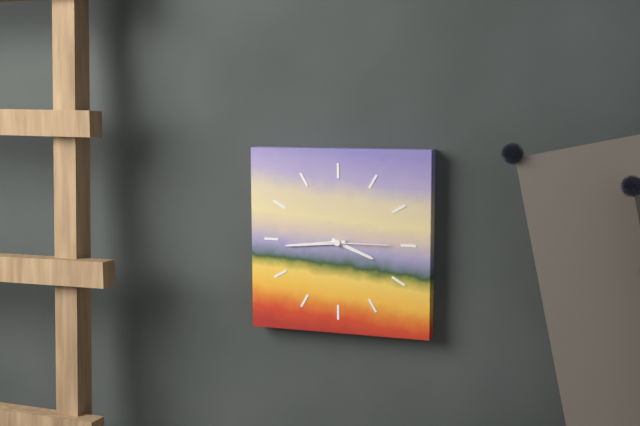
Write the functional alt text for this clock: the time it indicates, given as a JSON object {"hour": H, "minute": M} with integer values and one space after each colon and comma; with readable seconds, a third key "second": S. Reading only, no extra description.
{"hour": 3, "minute": 44, "second": 15}
